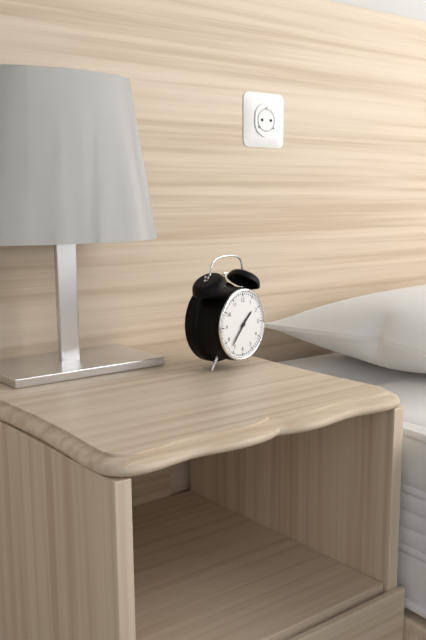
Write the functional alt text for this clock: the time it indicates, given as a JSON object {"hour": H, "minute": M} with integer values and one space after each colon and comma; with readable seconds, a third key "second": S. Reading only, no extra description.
{"hour": 1, "minute": 37}
